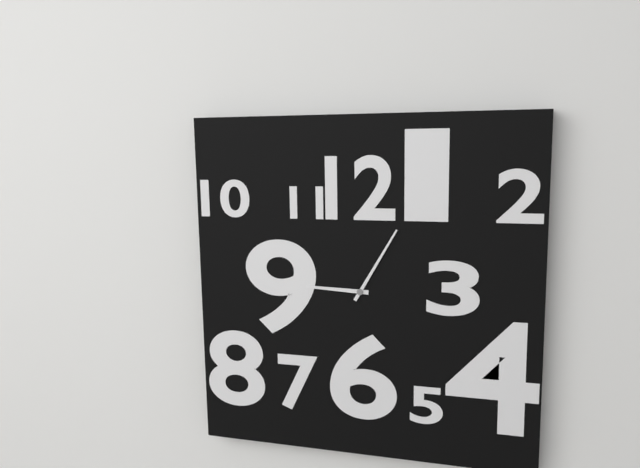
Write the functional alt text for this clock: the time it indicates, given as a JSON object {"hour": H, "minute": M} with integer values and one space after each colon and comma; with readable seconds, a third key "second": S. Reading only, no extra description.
{"hour": 9, "minute": 5}
